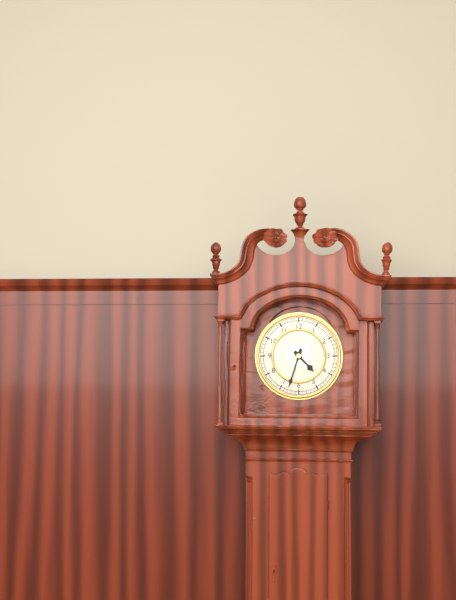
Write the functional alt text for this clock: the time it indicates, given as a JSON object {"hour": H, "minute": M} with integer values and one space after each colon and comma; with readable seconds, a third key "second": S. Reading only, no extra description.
{"hour": 4, "minute": 33}
